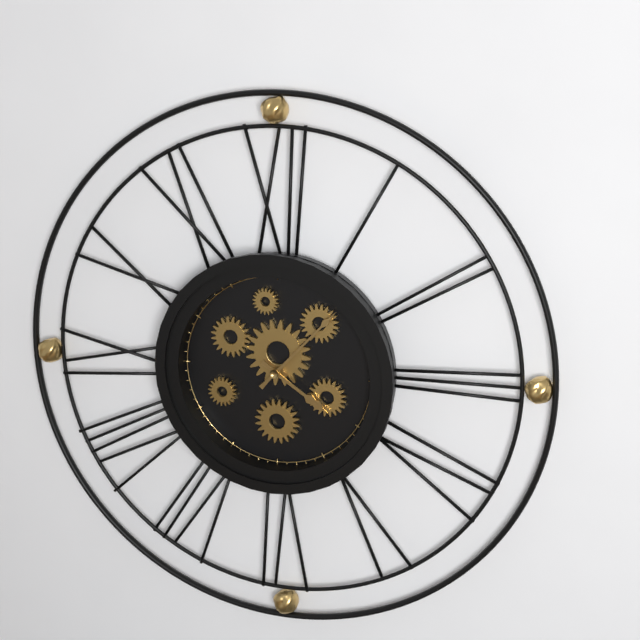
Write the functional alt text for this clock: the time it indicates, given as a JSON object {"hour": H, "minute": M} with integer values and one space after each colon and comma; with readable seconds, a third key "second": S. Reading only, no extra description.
{"hour": 4, "minute": 7}
